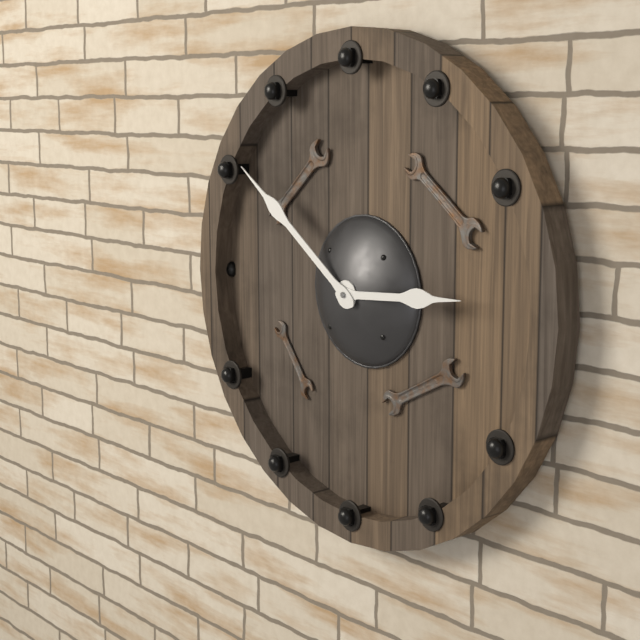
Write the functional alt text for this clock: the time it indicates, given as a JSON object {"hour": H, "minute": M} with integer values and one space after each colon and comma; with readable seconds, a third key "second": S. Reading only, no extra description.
{"hour": 2, "minute": 51}
